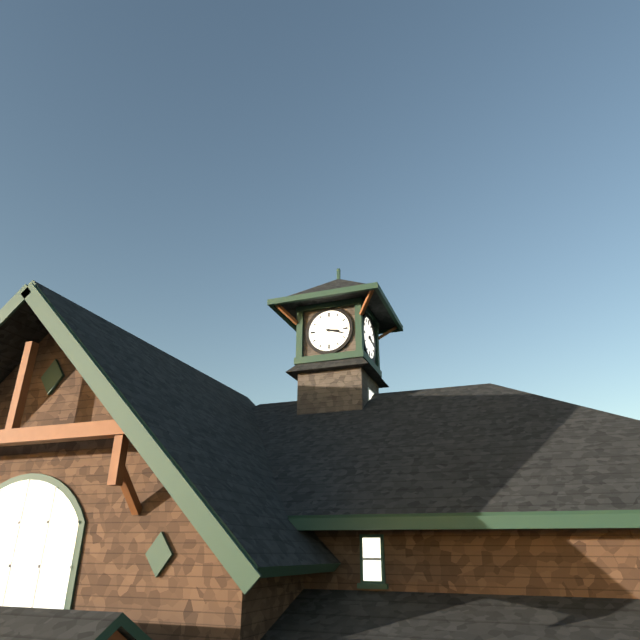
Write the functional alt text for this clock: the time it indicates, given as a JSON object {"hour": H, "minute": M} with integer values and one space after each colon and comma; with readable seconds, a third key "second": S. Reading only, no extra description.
{"hour": 3, "minute": 18}
